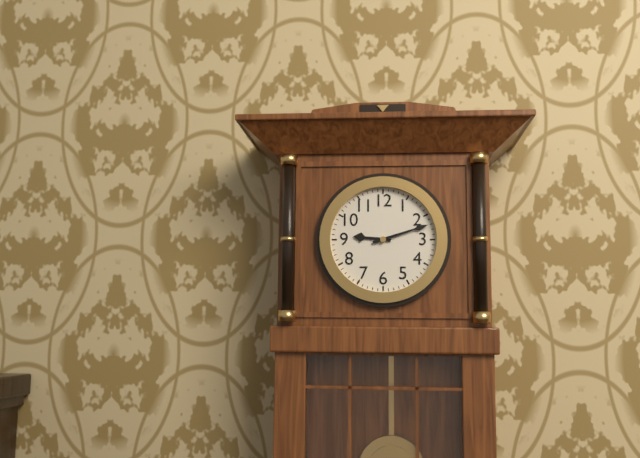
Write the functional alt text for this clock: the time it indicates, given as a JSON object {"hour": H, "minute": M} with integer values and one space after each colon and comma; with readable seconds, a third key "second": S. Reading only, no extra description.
{"hour": 9, "minute": 12}
